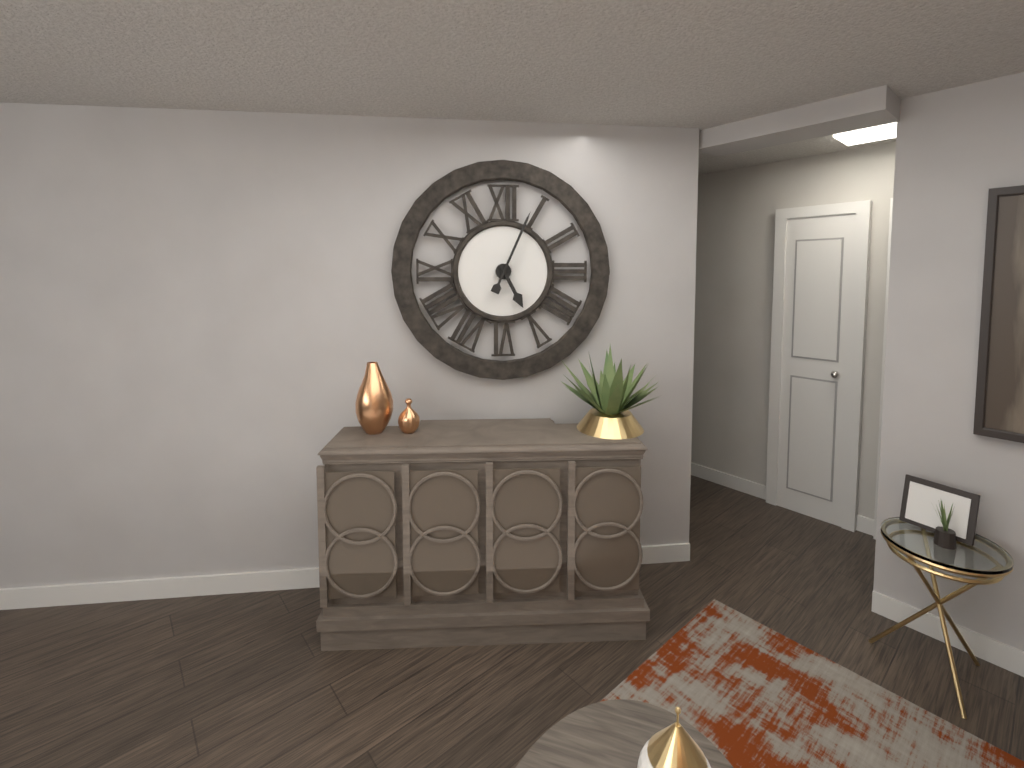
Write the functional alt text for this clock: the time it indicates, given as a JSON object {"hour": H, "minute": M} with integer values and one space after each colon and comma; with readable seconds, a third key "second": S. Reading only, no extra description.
{"hour": 5, "minute": 4}
